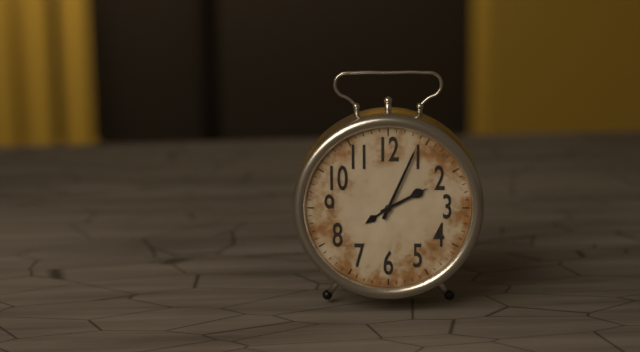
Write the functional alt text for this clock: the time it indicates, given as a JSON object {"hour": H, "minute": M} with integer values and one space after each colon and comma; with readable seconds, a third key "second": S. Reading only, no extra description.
{"hour": 2, "minute": 4}
